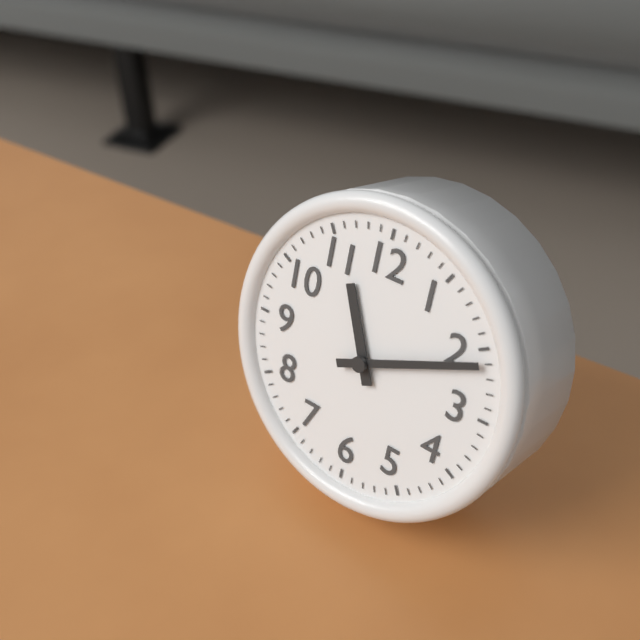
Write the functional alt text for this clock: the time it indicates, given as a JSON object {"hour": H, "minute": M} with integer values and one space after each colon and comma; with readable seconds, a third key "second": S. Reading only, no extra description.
{"hour": 11, "minute": 11}
